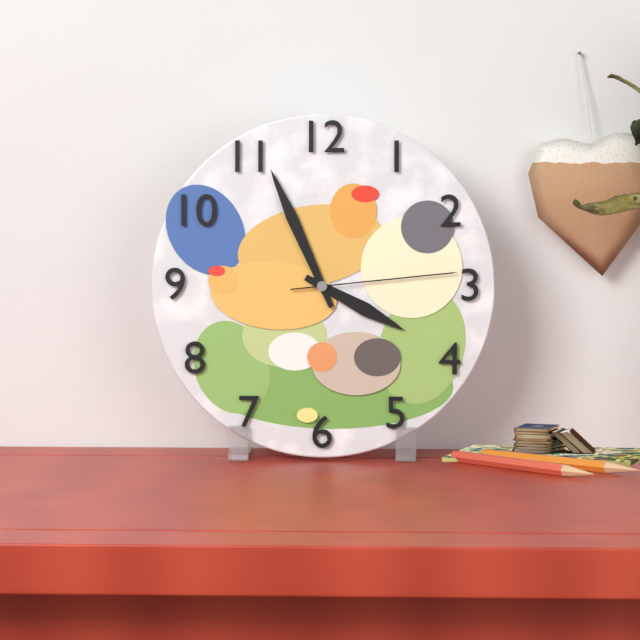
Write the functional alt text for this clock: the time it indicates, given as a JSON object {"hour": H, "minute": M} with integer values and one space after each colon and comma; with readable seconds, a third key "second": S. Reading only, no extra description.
{"hour": 3, "minute": 56, "second": 14}
